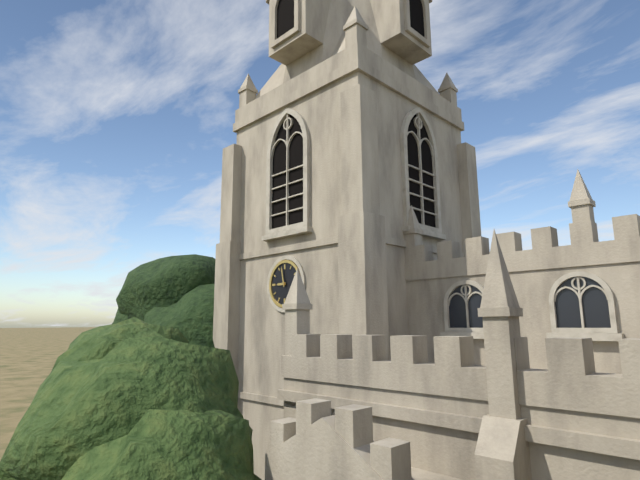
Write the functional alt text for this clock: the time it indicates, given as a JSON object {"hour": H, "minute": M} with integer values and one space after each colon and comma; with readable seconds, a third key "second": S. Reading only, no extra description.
{"hour": 8, "minute": 58}
